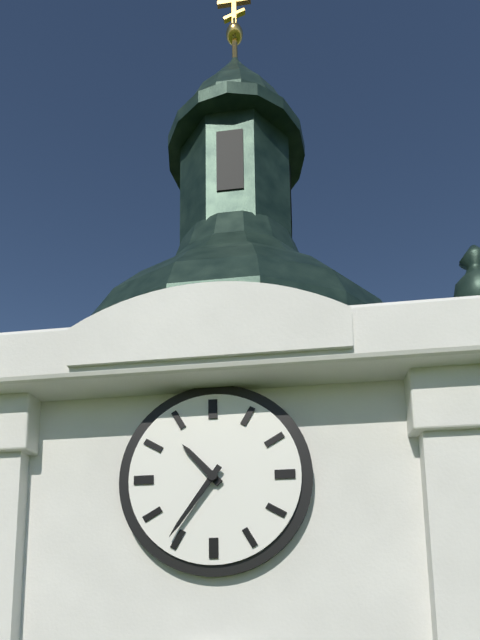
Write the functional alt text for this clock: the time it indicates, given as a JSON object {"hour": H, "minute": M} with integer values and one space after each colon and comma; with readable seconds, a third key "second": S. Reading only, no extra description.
{"hour": 10, "minute": 36}
